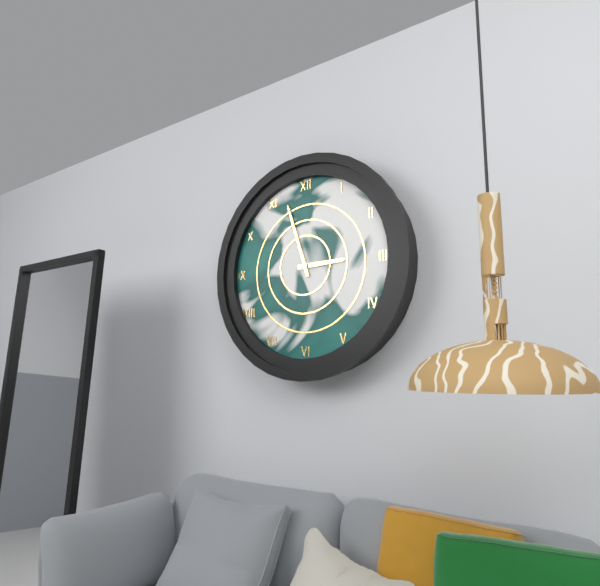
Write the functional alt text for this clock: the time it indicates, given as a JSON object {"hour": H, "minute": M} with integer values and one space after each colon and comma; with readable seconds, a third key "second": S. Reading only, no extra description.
{"hour": 2, "minute": 57}
